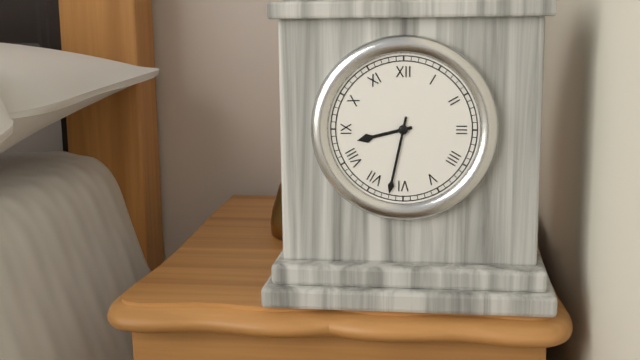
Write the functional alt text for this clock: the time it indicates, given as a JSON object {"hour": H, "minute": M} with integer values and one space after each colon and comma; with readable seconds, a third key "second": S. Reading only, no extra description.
{"hour": 8, "minute": 32}
